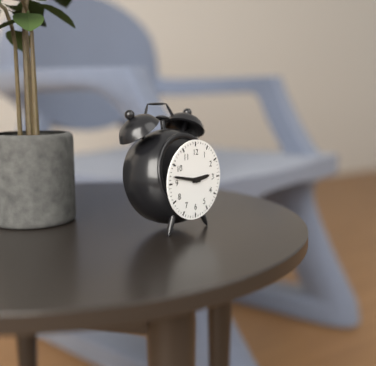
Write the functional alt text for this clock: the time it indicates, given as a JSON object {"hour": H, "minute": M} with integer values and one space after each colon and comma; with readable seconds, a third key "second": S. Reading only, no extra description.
{"hour": 2, "minute": 47}
